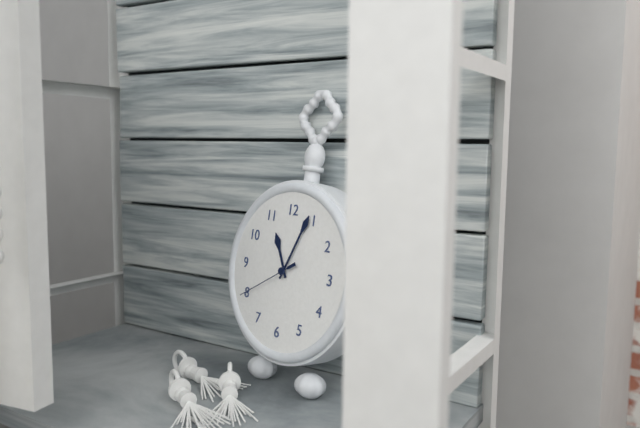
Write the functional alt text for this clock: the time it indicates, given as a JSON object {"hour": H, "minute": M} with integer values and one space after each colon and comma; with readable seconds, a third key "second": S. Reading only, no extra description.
{"hour": 11, "minute": 4, "second": 40}
